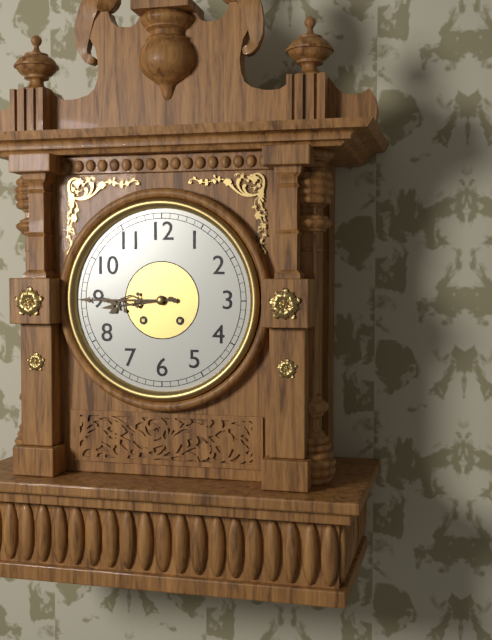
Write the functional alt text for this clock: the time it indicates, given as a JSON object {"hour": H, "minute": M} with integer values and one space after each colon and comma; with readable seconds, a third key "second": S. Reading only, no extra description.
{"hour": 8, "minute": 45}
